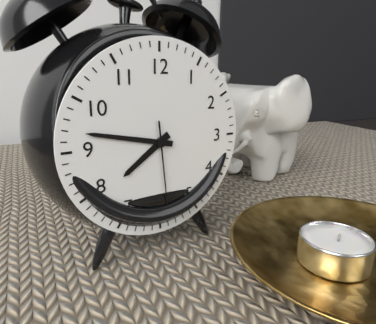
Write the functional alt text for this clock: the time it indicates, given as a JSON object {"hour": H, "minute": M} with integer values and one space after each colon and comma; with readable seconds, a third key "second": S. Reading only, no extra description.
{"hour": 7, "minute": 47, "second": 29}
